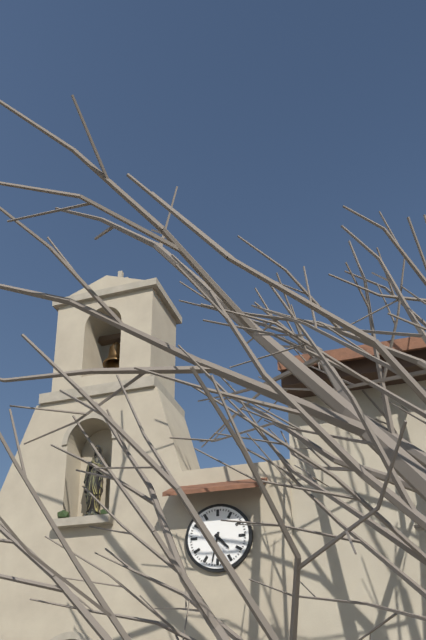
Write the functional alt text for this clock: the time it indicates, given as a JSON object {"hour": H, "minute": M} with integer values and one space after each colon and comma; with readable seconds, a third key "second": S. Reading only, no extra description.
{"hour": 4, "minute": 32}
